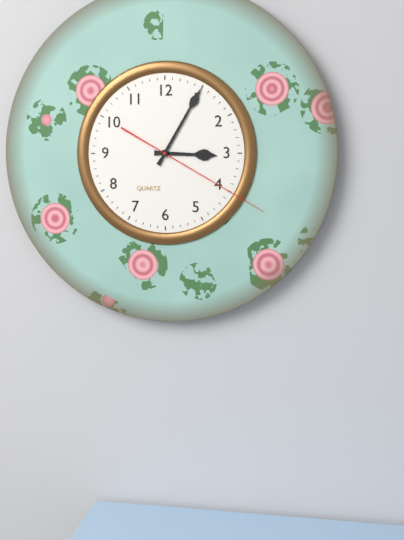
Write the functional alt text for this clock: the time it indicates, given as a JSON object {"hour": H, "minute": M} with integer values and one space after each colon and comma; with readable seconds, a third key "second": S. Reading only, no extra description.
{"hour": 3, "minute": 5, "second": 20}
